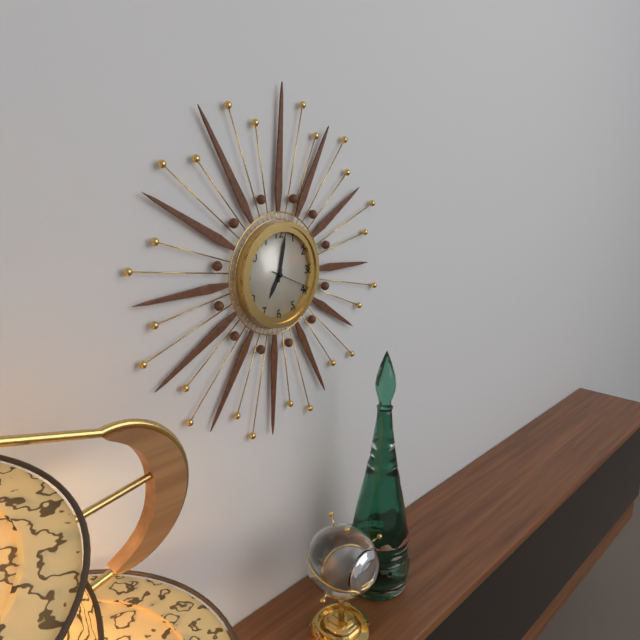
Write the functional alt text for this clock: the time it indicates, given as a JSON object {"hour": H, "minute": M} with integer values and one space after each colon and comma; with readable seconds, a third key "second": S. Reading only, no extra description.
{"hour": 7, "minute": 2}
